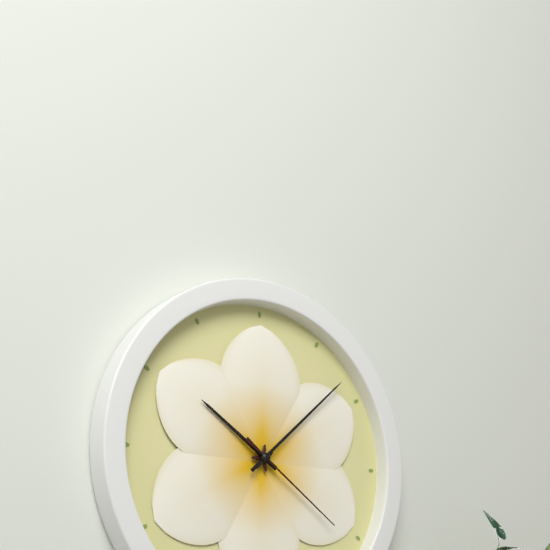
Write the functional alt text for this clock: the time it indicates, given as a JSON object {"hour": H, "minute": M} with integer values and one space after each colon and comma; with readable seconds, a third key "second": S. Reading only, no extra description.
{"hour": 10, "minute": 8, "second": 21}
